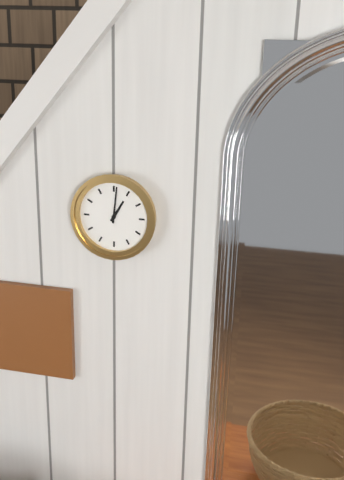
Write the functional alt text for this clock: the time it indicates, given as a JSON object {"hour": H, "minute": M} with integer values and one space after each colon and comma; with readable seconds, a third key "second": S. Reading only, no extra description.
{"hour": 1, "minute": 1}
